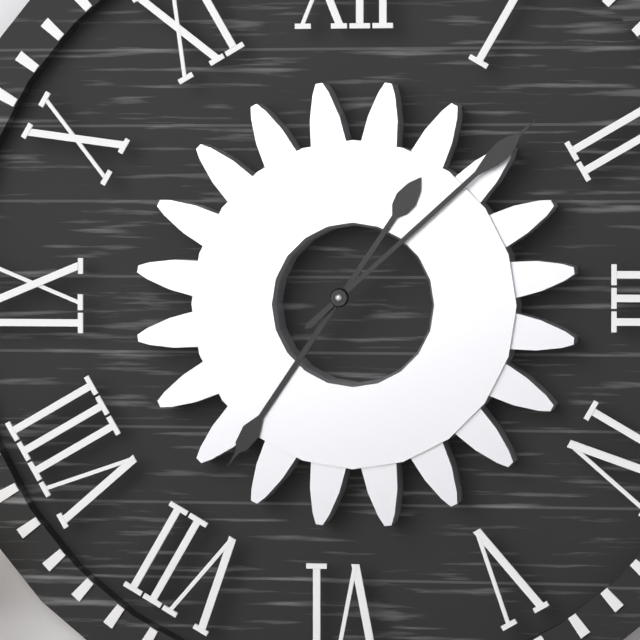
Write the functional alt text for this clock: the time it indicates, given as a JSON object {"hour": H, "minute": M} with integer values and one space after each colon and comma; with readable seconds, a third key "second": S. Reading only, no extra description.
{"hour": 7, "minute": 8}
